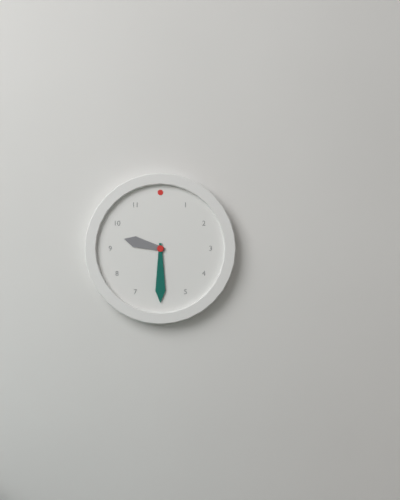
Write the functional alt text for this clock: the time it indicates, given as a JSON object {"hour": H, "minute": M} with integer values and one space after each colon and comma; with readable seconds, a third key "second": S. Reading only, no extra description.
{"hour": 9, "minute": 30}
